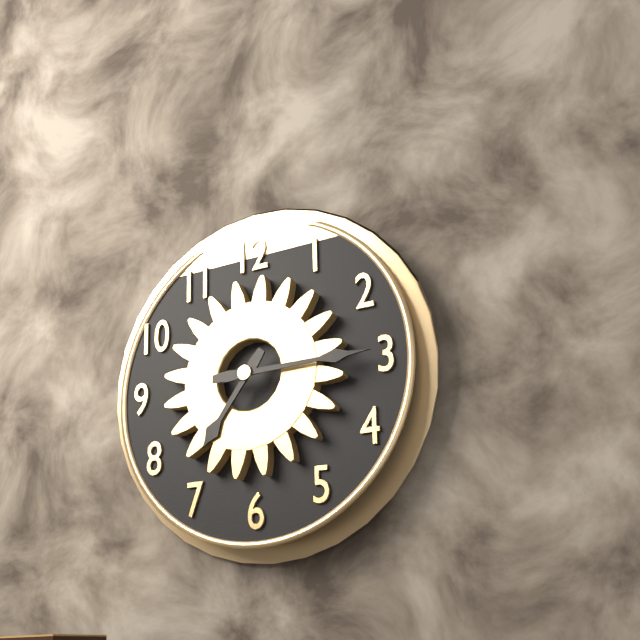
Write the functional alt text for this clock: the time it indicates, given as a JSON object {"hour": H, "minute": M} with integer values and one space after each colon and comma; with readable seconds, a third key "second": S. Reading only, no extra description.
{"hour": 7, "minute": 15}
